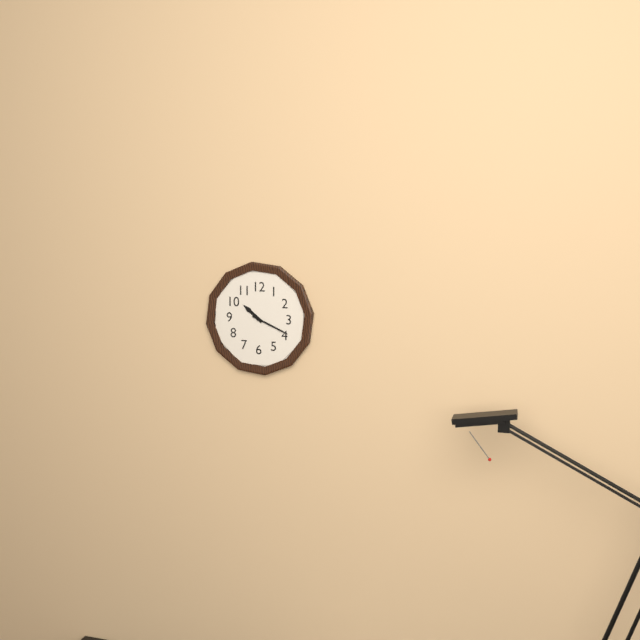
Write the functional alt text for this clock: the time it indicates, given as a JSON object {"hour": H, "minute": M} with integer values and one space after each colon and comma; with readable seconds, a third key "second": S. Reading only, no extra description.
{"hour": 10, "minute": 19}
